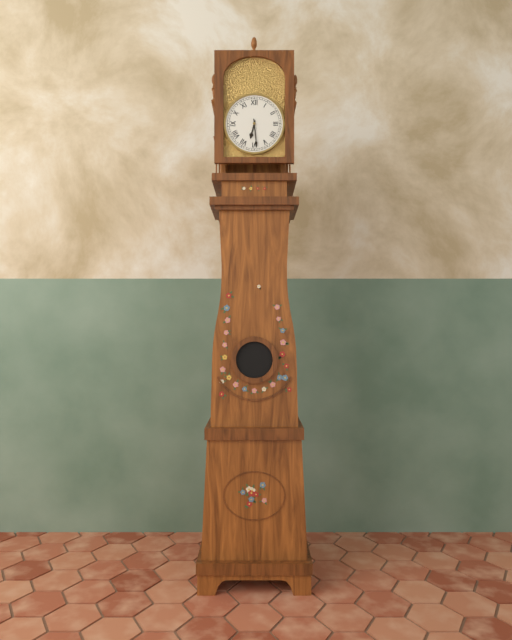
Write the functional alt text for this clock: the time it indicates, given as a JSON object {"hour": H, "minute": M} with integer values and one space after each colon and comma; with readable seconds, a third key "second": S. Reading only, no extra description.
{"hour": 6, "minute": 29}
